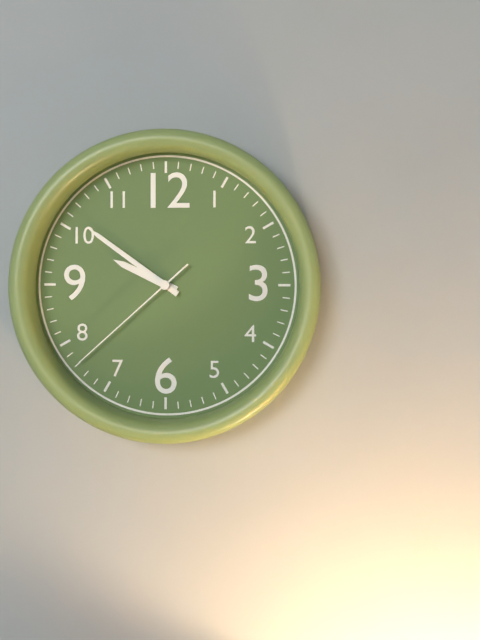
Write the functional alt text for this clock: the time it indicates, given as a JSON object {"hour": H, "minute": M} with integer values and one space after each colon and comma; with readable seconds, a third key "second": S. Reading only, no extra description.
{"hour": 9, "minute": 51, "second": 38}
